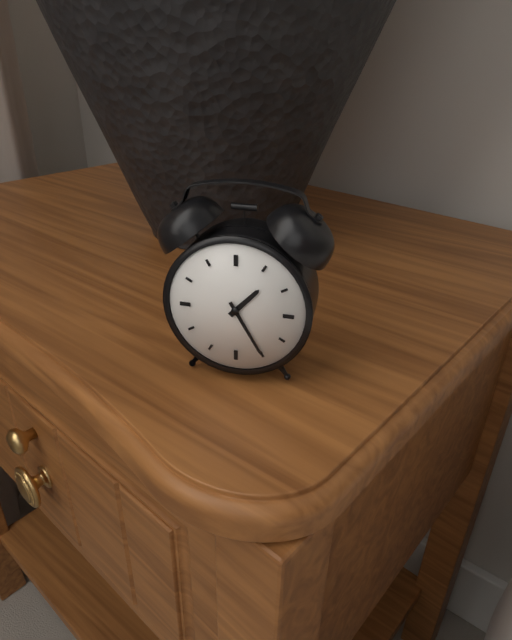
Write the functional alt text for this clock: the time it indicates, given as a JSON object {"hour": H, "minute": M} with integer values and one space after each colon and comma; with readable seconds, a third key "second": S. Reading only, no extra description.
{"hour": 1, "minute": 25}
